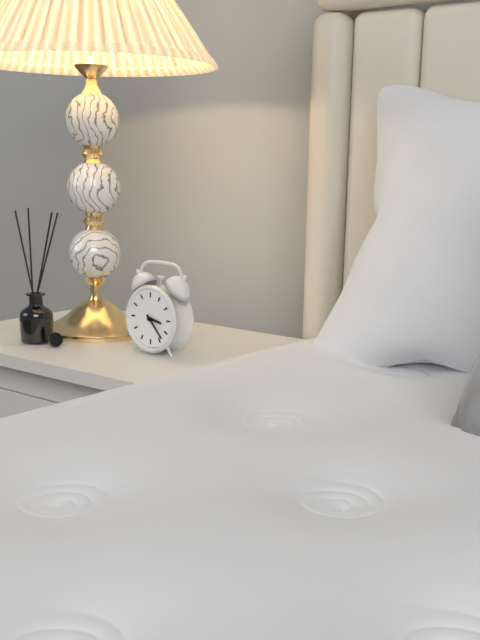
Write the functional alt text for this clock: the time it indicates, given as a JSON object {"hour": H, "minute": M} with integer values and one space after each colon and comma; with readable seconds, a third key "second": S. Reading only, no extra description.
{"hour": 3, "minute": 23}
